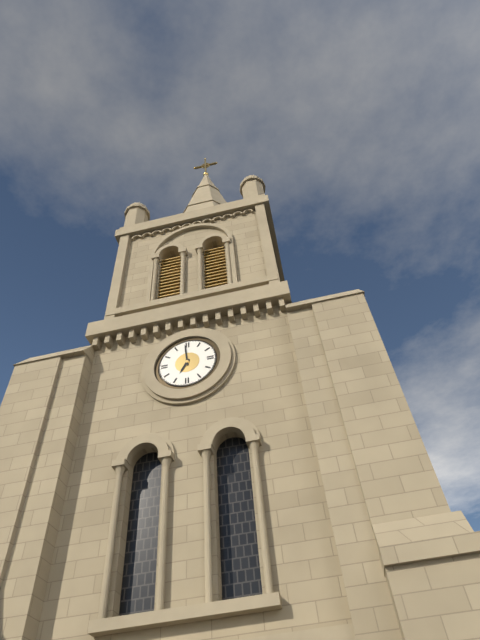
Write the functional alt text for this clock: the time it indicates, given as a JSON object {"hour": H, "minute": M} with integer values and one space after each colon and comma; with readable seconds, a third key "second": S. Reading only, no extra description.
{"hour": 6, "minute": 59}
